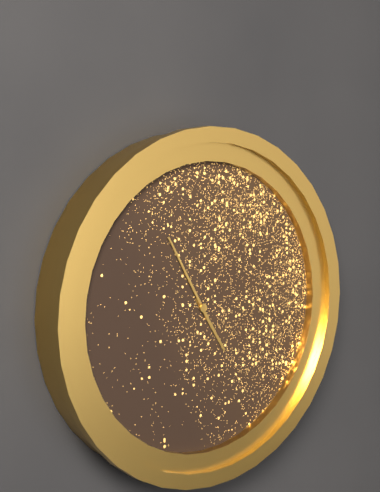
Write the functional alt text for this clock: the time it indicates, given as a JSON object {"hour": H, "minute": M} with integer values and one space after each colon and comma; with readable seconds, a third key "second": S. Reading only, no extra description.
{"hour": 4, "minute": 55}
